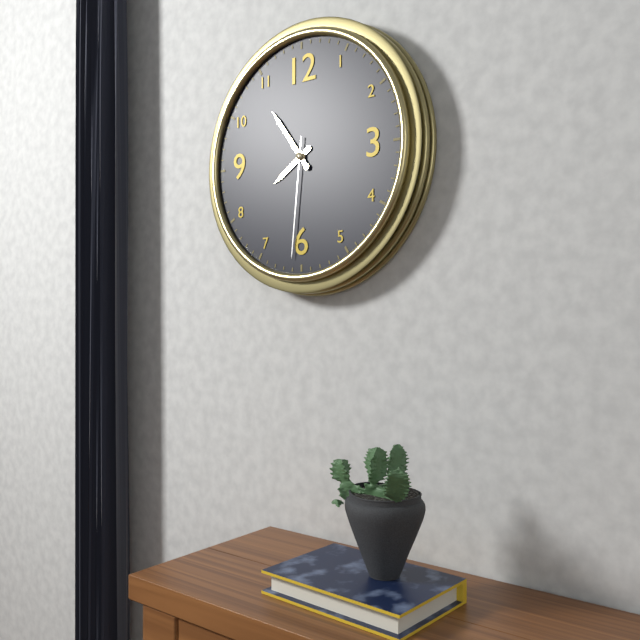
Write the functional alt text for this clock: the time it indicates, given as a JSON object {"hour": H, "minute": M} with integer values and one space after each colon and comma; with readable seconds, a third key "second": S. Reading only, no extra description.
{"hour": 7, "minute": 54, "second": 31}
